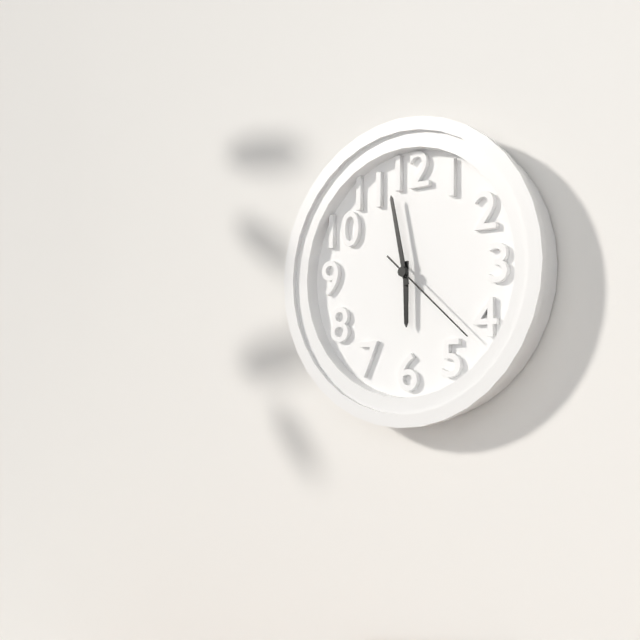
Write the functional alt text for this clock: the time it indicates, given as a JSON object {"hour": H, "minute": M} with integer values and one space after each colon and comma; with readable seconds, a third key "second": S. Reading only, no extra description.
{"hour": 5, "minute": 58, "second": 22}
